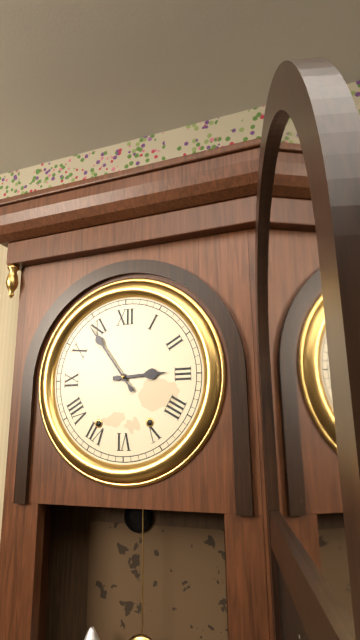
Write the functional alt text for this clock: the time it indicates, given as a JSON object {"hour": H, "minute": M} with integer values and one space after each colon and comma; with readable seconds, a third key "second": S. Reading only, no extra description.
{"hour": 2, "minute": 54}
